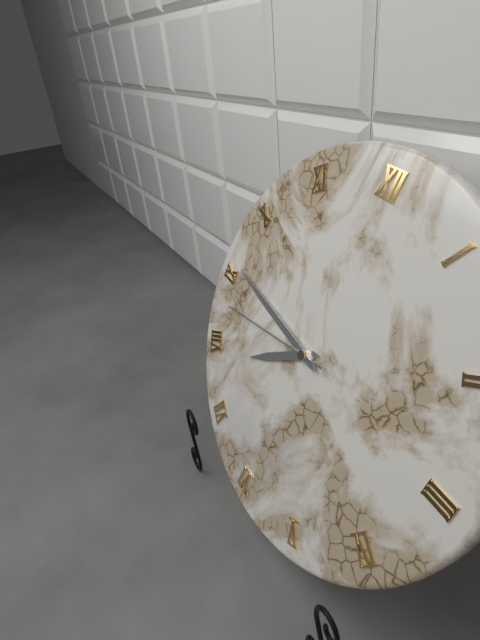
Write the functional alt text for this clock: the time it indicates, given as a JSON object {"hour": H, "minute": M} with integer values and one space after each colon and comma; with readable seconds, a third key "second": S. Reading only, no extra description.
{"hour": 7, "minute": 46, "second": 43}
